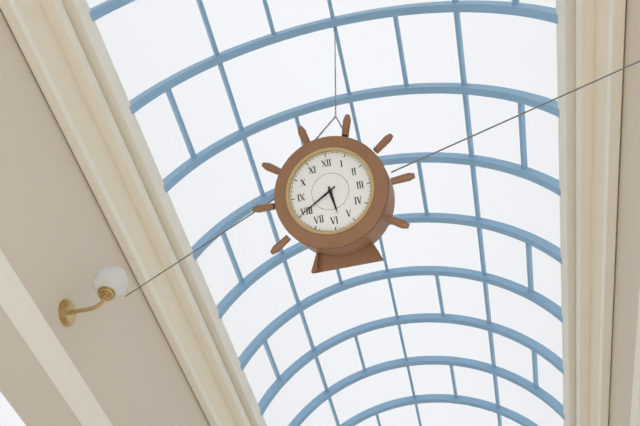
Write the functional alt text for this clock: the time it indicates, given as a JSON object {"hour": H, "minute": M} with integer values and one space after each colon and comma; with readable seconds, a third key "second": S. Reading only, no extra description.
{"hour": 5, "minute": 40}
